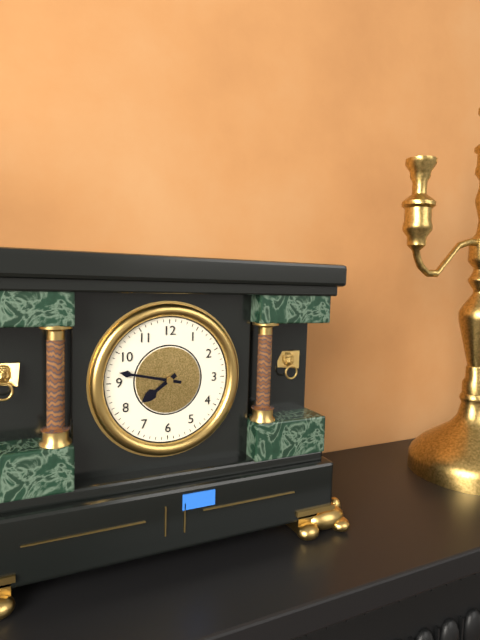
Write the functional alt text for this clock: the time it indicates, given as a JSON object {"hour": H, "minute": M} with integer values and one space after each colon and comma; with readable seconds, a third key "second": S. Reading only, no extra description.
{"hour": 7, "minute": 47}
